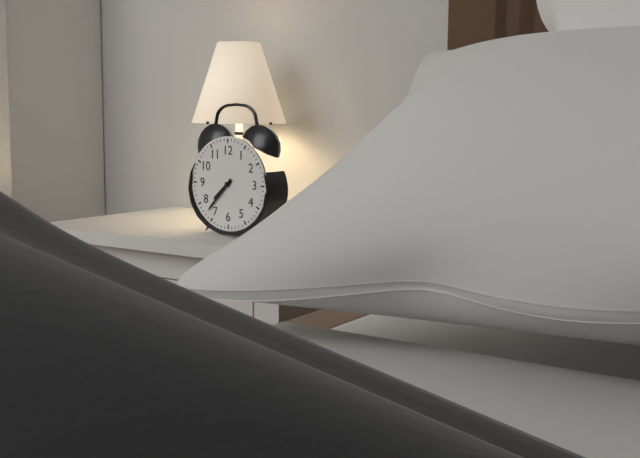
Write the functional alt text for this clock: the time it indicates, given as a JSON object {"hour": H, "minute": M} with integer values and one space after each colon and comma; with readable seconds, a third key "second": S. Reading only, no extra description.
{"hour": 7, "minute": 37}
